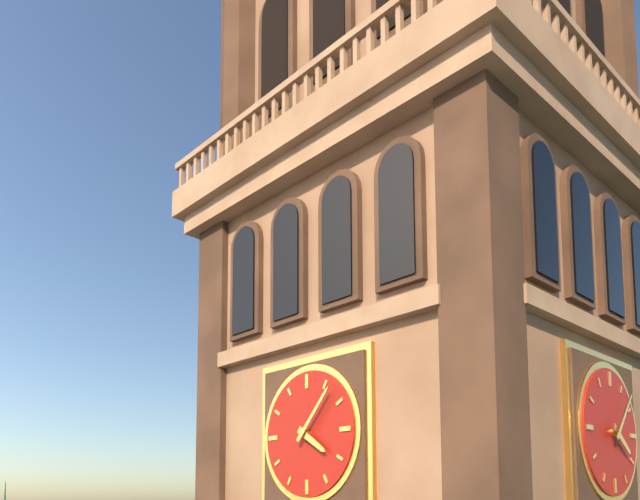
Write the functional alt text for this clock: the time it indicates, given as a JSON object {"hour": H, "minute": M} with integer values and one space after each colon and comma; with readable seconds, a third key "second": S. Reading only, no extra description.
{"hour": 4, "minute": 7}
